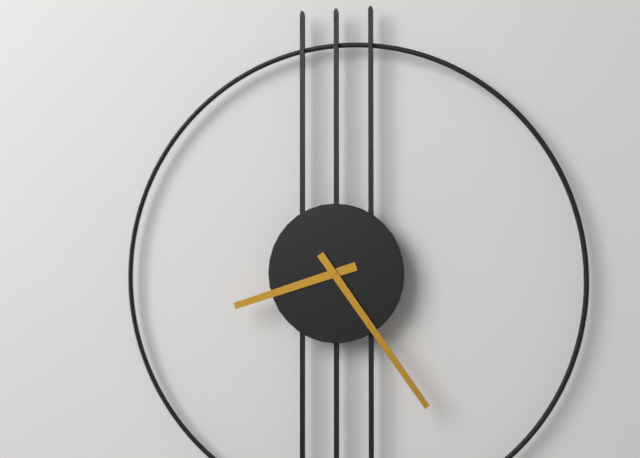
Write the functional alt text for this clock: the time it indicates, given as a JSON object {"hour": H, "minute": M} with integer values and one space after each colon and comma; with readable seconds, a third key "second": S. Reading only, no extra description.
{"hour": 8, "minute": 24}
